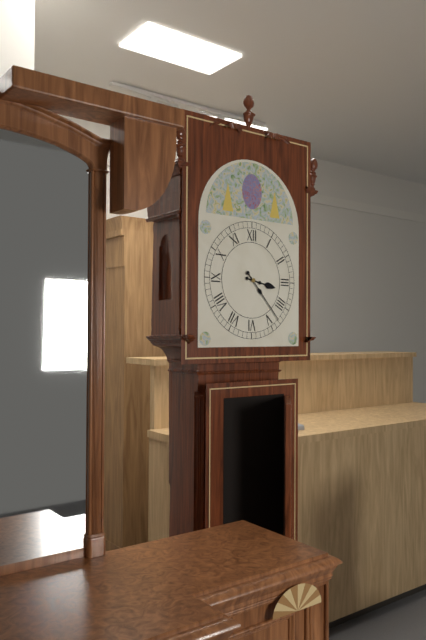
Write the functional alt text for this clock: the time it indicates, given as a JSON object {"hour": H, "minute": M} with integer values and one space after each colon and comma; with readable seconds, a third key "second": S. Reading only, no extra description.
{"hour": 3, "minute": 23}
